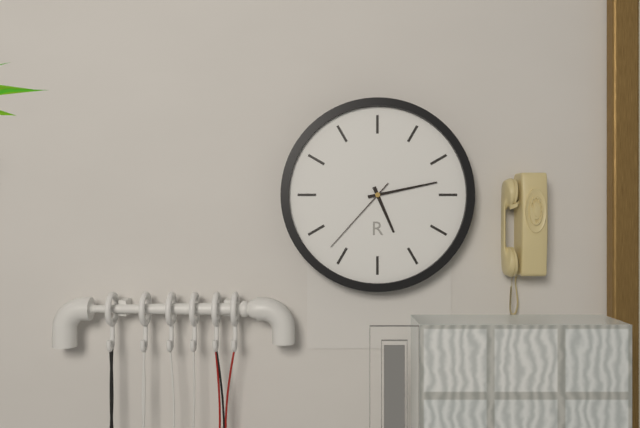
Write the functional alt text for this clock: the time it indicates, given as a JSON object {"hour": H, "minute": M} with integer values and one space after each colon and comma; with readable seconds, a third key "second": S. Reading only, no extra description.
{"hour": 5, "minute": 13, "second": 37}
